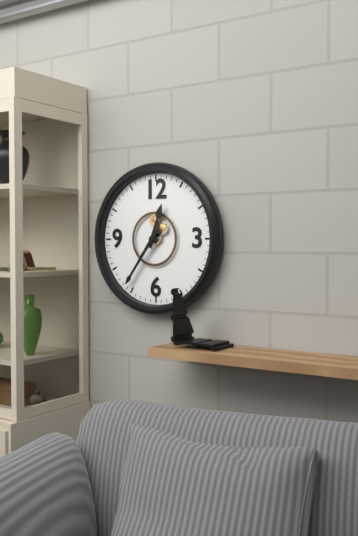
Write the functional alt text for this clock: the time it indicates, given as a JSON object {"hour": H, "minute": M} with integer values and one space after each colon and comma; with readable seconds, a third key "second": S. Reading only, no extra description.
{"hour": 12, "minute": 36}
